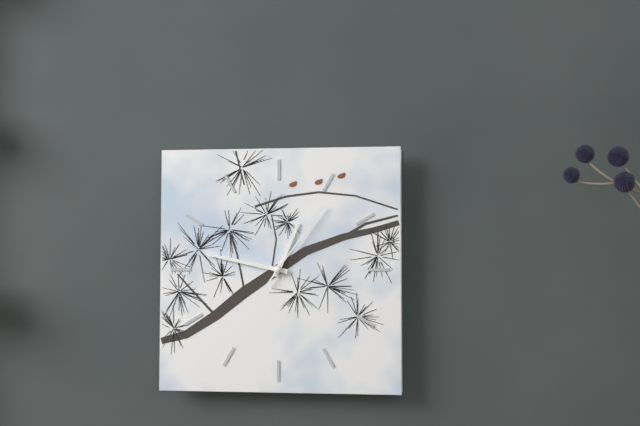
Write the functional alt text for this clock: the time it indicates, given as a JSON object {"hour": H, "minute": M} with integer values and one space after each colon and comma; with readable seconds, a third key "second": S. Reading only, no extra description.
{"hour": 12, "minute": 47, "second": 6}
